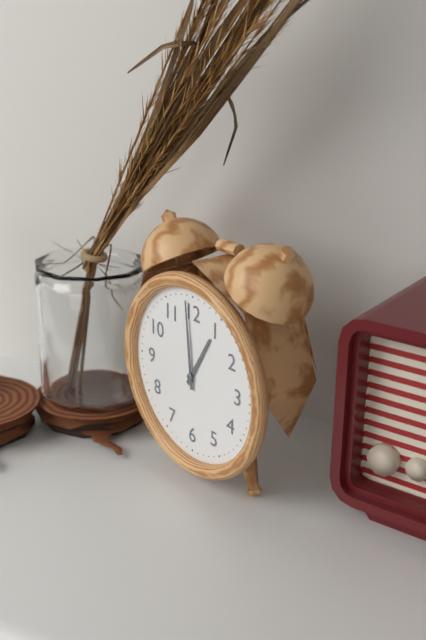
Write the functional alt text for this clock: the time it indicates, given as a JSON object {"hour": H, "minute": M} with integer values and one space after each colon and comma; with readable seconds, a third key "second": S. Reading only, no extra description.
{"hour": 12, "minute": 59}
